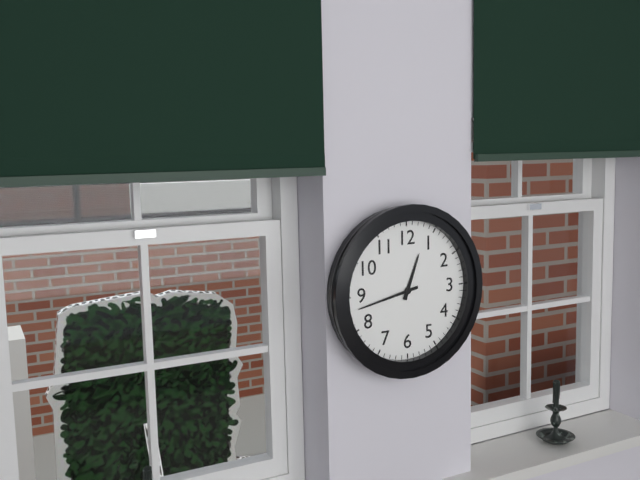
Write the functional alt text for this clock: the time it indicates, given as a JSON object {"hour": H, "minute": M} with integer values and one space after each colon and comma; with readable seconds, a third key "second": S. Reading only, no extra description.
{"hour": 12, "minute": 43}
